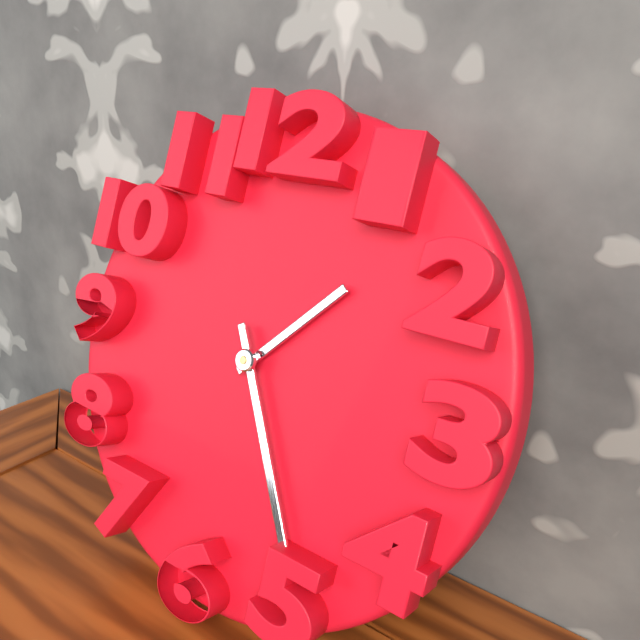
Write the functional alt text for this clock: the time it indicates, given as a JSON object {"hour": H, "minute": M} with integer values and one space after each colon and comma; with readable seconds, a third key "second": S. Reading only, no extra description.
{"hour": 1, "minute": 25}
